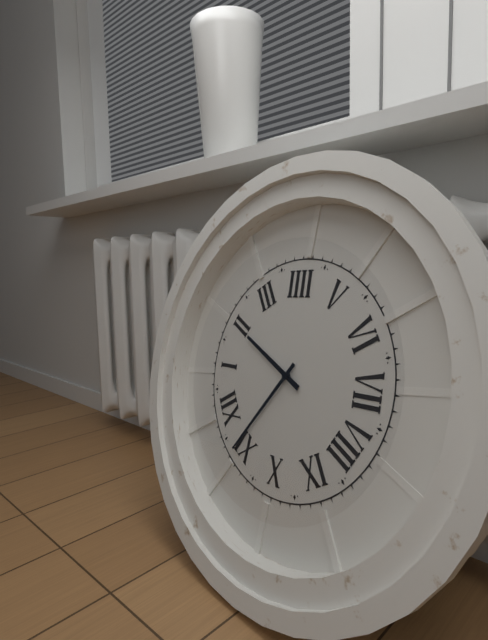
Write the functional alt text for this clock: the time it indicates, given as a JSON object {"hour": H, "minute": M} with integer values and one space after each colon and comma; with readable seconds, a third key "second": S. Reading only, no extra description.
{"hour": 1, "minute": 56}
